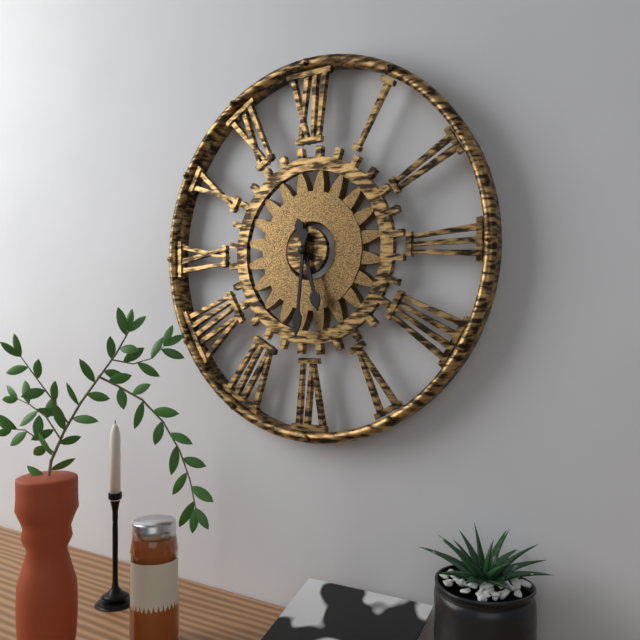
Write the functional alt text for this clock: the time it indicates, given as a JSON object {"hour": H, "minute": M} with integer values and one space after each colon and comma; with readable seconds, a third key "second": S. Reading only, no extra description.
{"hour": 5, "minute": 31}
